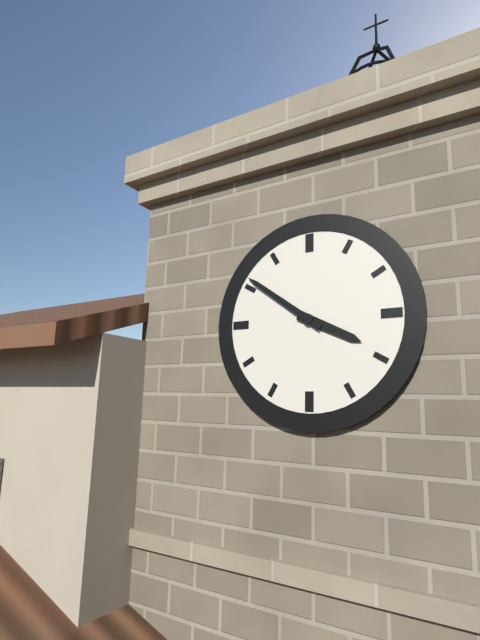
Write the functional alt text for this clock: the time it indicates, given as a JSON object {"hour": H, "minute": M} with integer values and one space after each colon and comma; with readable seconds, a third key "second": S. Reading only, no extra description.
{"hour": 3, "minute": 51}
